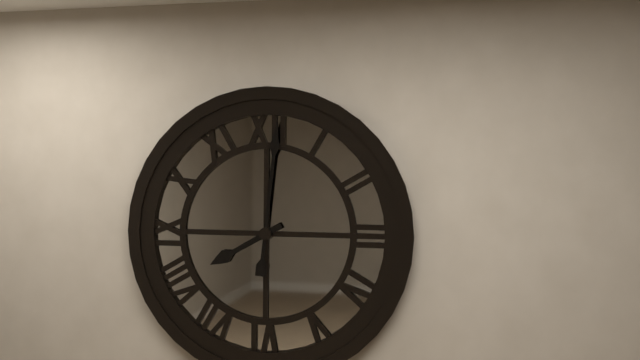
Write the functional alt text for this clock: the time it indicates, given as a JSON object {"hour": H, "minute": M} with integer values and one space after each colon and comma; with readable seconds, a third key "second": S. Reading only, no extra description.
{"hour": 8, "minute": 1}
